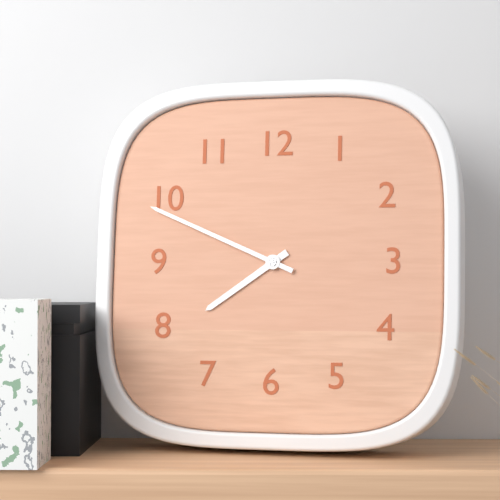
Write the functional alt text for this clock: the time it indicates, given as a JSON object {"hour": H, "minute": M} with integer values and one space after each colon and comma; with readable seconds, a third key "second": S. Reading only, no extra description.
{"hour": 7, "minute": 49}
